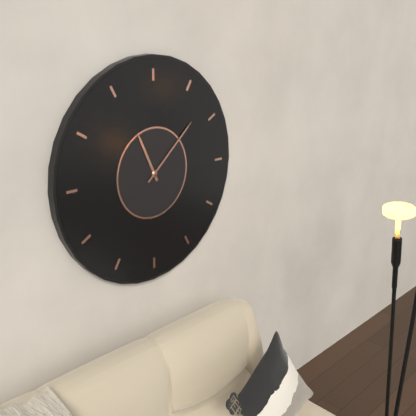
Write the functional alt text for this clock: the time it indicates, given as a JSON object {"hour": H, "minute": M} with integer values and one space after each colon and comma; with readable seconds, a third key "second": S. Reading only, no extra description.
{"hour": 11, "minute": 8}
